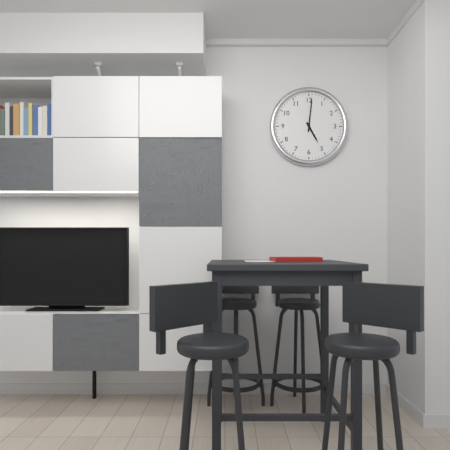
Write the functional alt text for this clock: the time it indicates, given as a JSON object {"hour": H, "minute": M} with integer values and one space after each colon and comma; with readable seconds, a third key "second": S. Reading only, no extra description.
{"hour": 5, "minute": 1}
